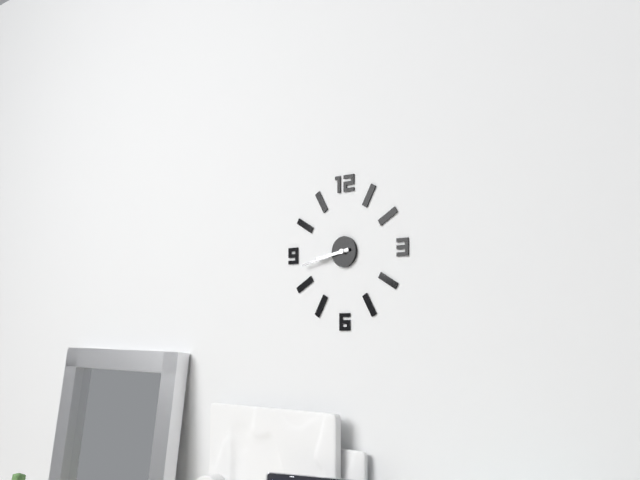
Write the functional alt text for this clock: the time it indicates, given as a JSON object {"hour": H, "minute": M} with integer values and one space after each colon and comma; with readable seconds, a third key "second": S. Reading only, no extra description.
{"hour": 8, "minute": 43}
